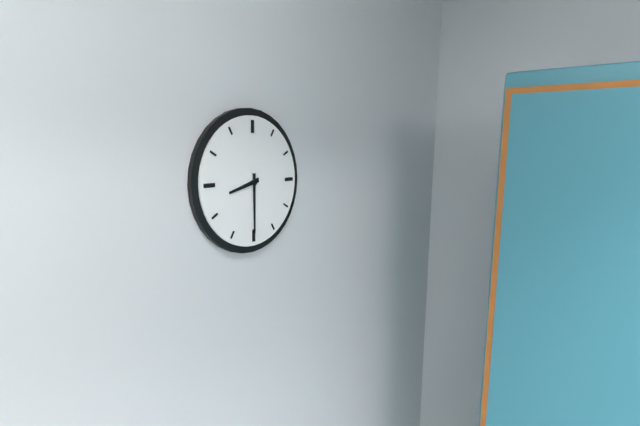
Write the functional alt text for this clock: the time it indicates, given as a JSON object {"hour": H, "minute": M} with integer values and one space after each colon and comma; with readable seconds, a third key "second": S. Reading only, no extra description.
{"hour": 8, "minute": 30}
